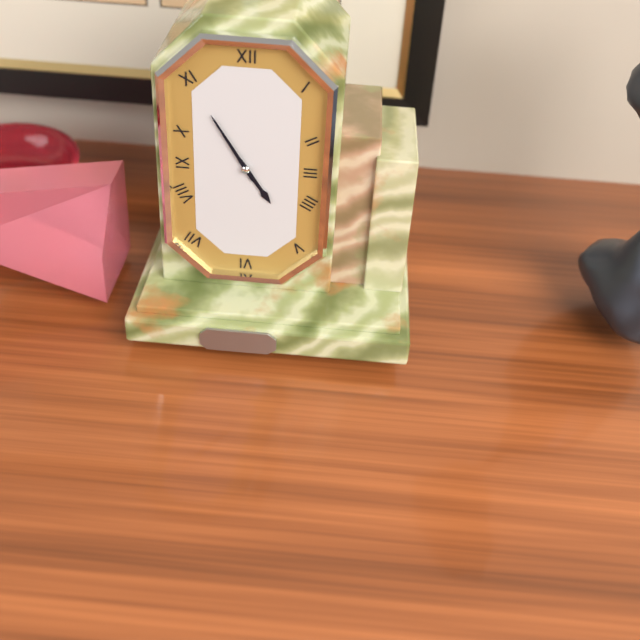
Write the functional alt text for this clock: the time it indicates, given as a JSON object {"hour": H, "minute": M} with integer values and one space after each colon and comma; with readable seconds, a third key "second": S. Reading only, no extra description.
{"hour": 4, "minute": 55}
